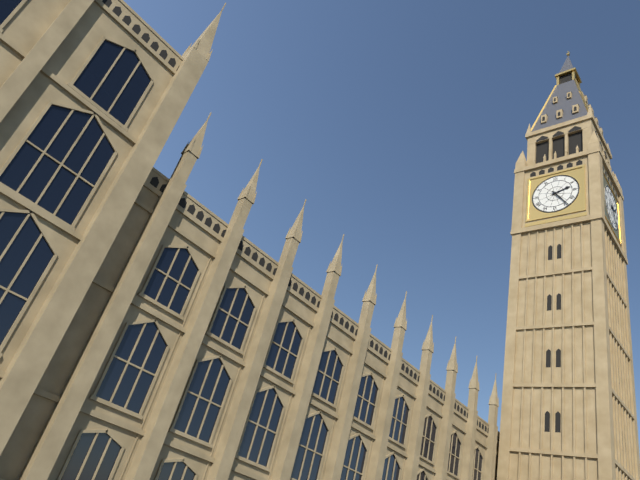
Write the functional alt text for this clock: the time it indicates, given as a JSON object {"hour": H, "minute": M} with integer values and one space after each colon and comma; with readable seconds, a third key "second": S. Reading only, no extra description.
{"hour": 2, "minute": 24}
